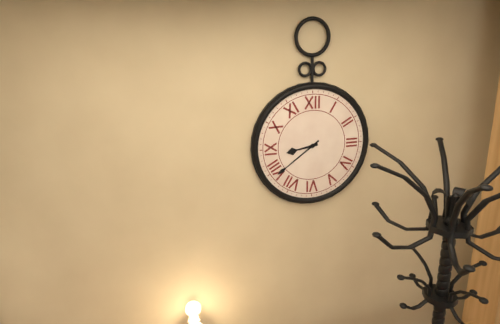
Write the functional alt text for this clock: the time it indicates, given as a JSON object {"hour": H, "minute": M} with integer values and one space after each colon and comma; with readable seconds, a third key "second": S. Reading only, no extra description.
{"hour": 8, "minute": 39}
